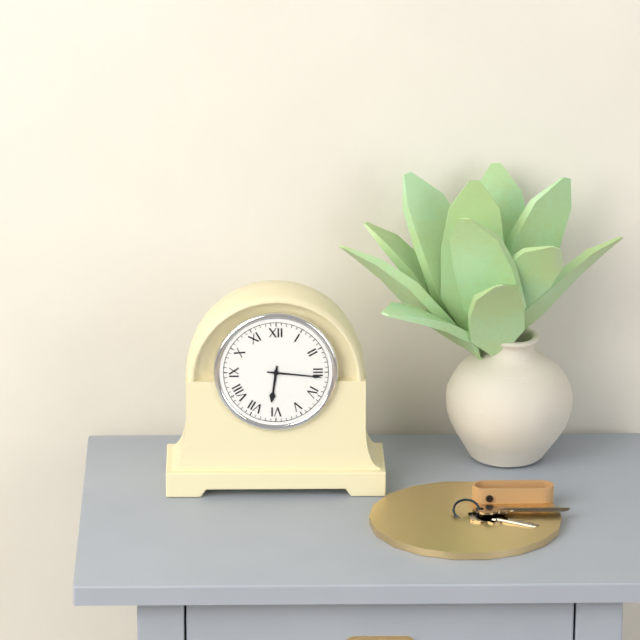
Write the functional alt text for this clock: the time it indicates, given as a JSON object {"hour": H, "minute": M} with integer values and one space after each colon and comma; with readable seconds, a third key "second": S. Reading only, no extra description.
{"hour": 6, "minute": 16}
